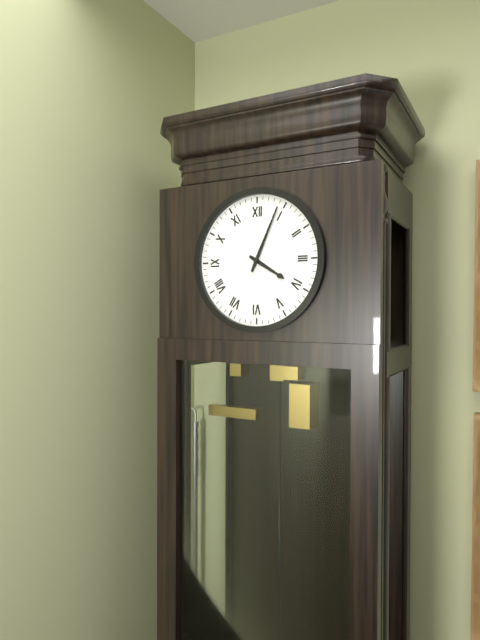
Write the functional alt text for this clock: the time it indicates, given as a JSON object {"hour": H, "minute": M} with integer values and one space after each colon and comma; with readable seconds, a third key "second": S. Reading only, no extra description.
{"hour": 4, "minute": 4}
